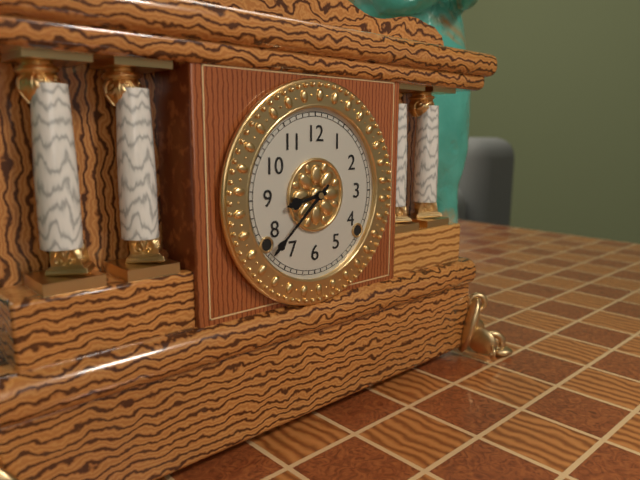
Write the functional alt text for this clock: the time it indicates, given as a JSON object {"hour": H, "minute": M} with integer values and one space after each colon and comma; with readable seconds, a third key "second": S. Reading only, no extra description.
{"hour": 8, "minute": 38}
